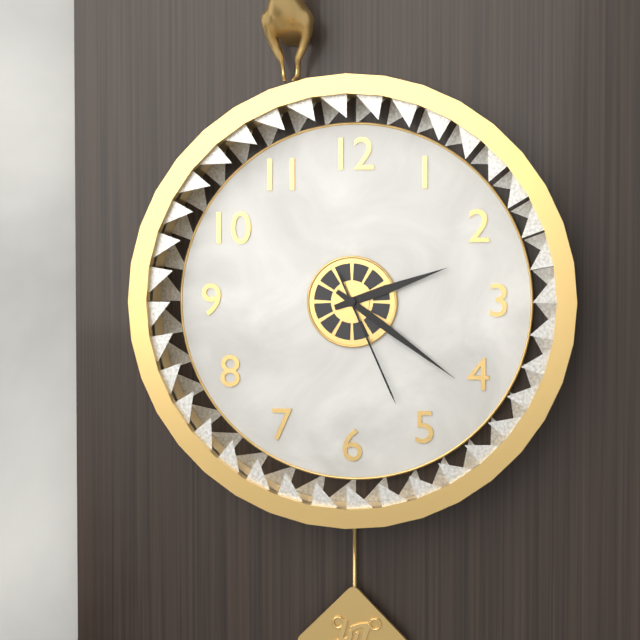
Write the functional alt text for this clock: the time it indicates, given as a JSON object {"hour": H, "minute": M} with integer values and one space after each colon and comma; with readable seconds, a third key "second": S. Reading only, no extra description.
{"hour": 2, "minute": 21, "second": 26}
